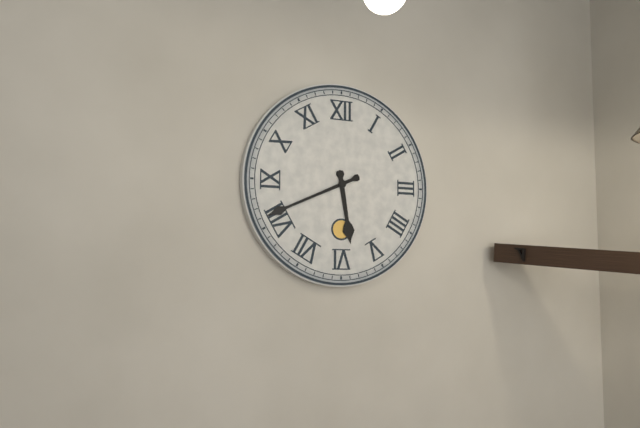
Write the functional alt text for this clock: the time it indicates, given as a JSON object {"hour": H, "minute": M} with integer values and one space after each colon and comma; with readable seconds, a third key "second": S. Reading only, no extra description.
{"hour": 5, "minute": 41}
